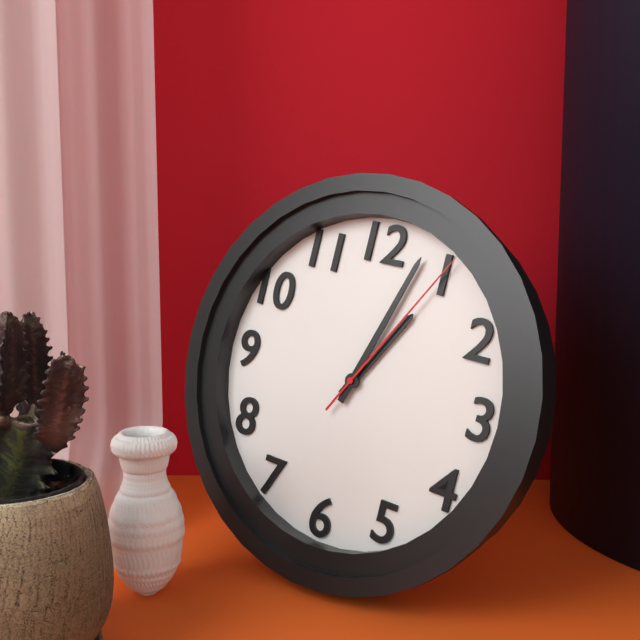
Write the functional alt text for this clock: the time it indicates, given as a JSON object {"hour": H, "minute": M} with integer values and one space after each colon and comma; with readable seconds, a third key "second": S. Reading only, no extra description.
{"hour": 1, "minute": 3, "second": 5}
